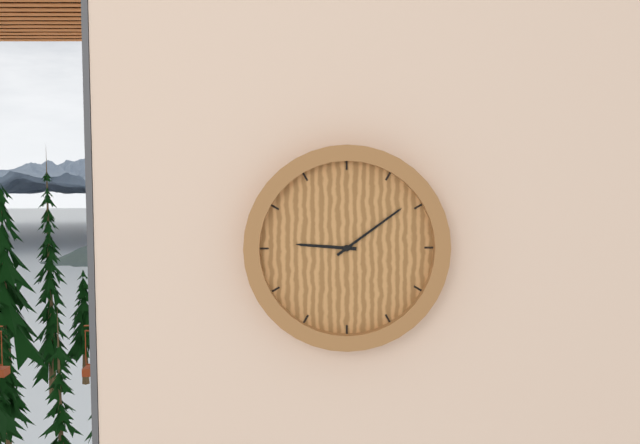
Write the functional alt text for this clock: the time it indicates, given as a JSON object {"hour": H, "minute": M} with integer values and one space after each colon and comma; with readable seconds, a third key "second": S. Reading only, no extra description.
{"hour": 9, "minute": 9}
